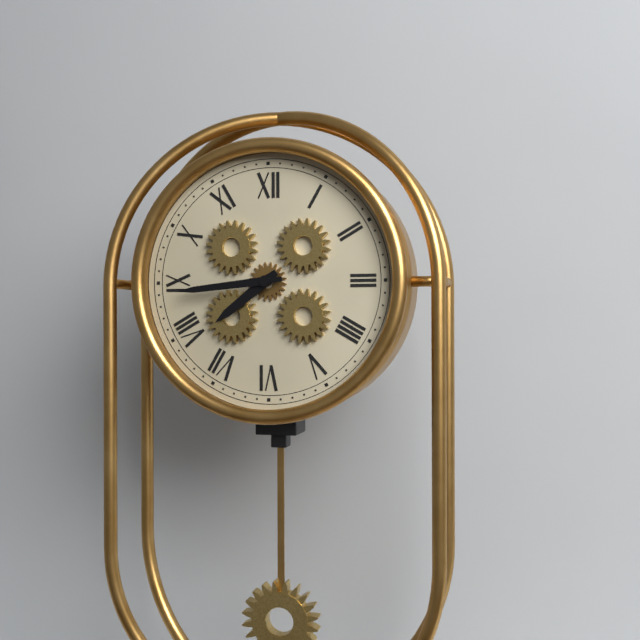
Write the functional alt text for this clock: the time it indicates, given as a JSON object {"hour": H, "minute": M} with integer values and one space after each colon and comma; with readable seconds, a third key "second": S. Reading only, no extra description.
{"hour": 7, "minute": 44}
